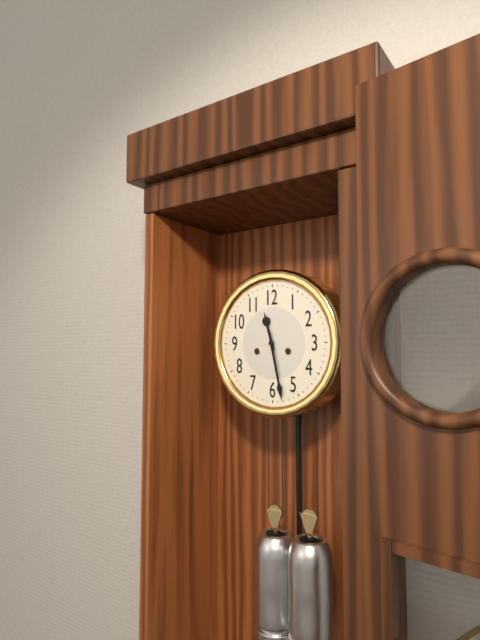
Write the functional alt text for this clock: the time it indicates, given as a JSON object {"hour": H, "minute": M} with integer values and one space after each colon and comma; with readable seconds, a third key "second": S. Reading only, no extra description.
{"hour": 11, "minute": 28}
